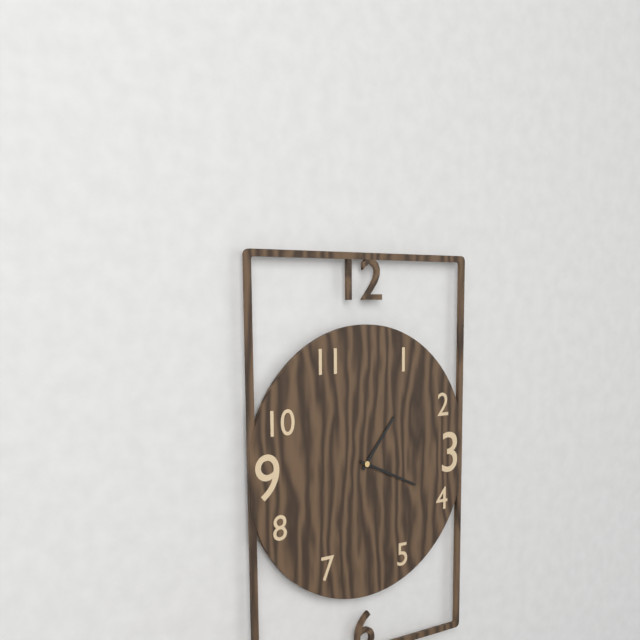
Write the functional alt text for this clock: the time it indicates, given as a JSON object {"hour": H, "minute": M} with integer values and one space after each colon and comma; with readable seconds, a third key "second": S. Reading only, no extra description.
{"hour": 1, "minute": 19}
